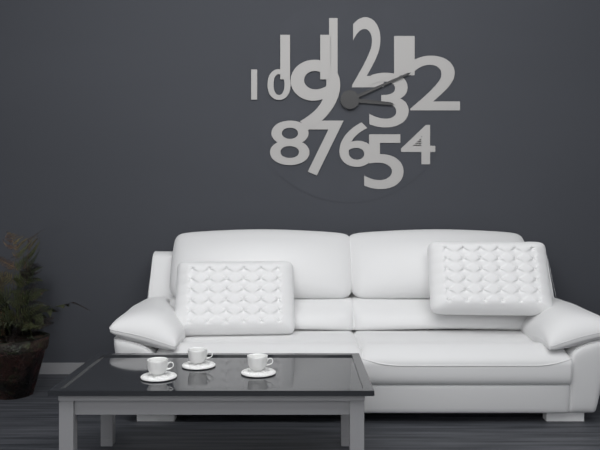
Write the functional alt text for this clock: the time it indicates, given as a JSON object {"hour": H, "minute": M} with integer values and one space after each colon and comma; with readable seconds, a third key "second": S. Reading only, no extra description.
{"hour": 3, "minute": 11}
